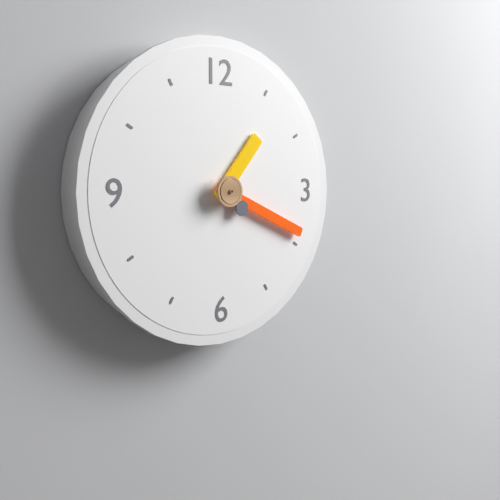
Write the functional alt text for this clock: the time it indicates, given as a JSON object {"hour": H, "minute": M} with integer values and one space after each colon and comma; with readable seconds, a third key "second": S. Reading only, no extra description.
{"hour": 1, "minute": 19}
